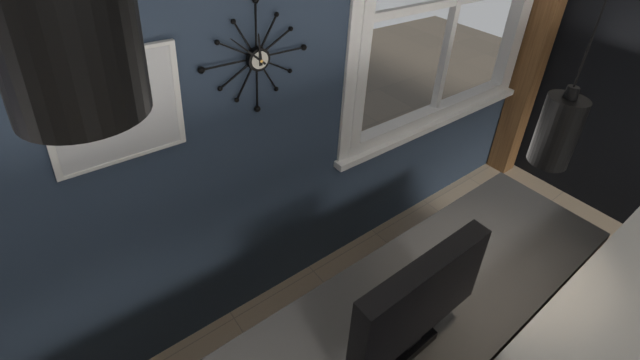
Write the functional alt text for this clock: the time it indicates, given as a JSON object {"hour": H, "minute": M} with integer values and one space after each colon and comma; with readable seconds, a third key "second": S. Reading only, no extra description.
{"hour": 11, "minute": 52}
